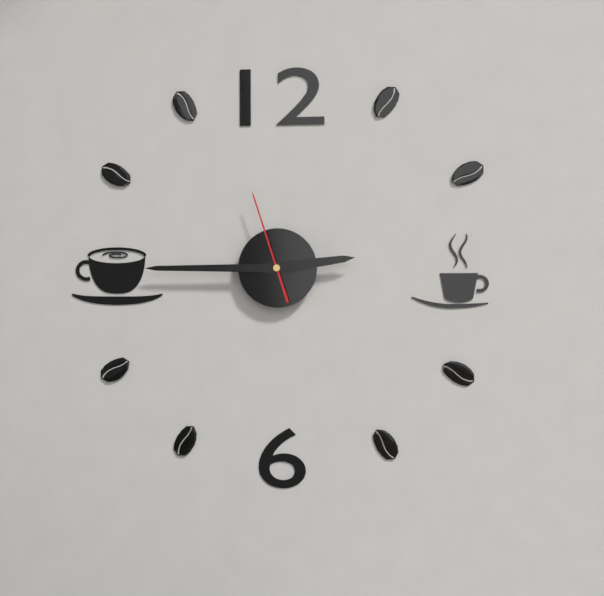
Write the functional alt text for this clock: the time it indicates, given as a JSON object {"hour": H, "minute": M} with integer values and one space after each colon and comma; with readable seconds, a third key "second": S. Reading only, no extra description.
{"hour": 2, "minute": 45, "second": 57}
